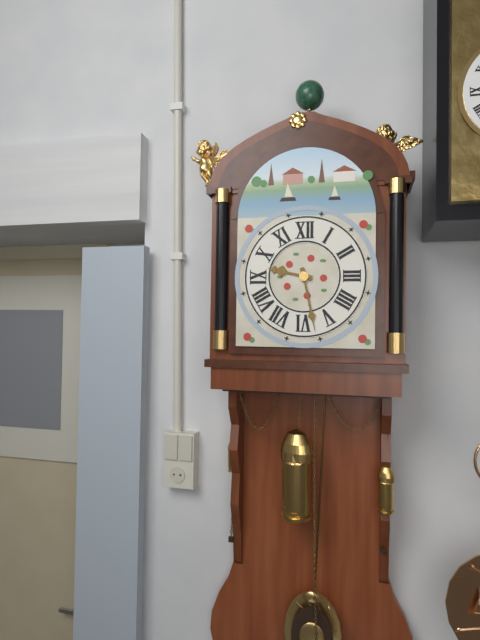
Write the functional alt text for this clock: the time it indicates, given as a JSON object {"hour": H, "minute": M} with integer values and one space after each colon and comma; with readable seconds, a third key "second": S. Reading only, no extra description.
{"hour": 9, "minute": 28}
